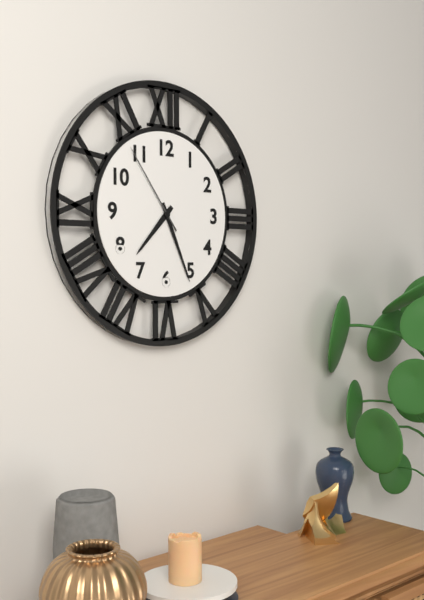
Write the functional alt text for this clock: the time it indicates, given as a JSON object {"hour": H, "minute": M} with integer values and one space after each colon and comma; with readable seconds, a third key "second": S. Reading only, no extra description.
{"hour": 7, "minute": 26, "second": 54}
